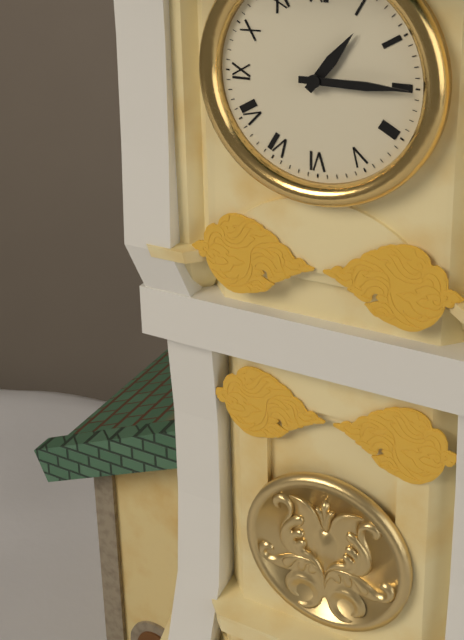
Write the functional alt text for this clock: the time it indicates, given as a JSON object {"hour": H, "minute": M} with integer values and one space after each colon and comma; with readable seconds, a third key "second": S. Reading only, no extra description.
{"hour": 1, "minute": 15}
